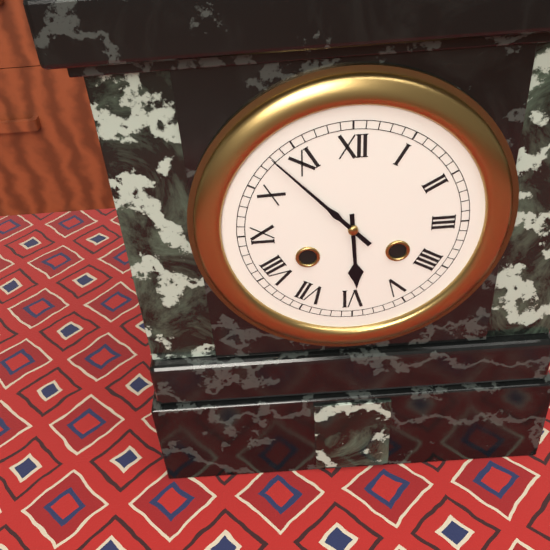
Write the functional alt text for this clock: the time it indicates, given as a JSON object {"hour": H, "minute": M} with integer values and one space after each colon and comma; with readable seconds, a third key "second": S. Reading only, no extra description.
{"hour": 5, "minute": 53}
